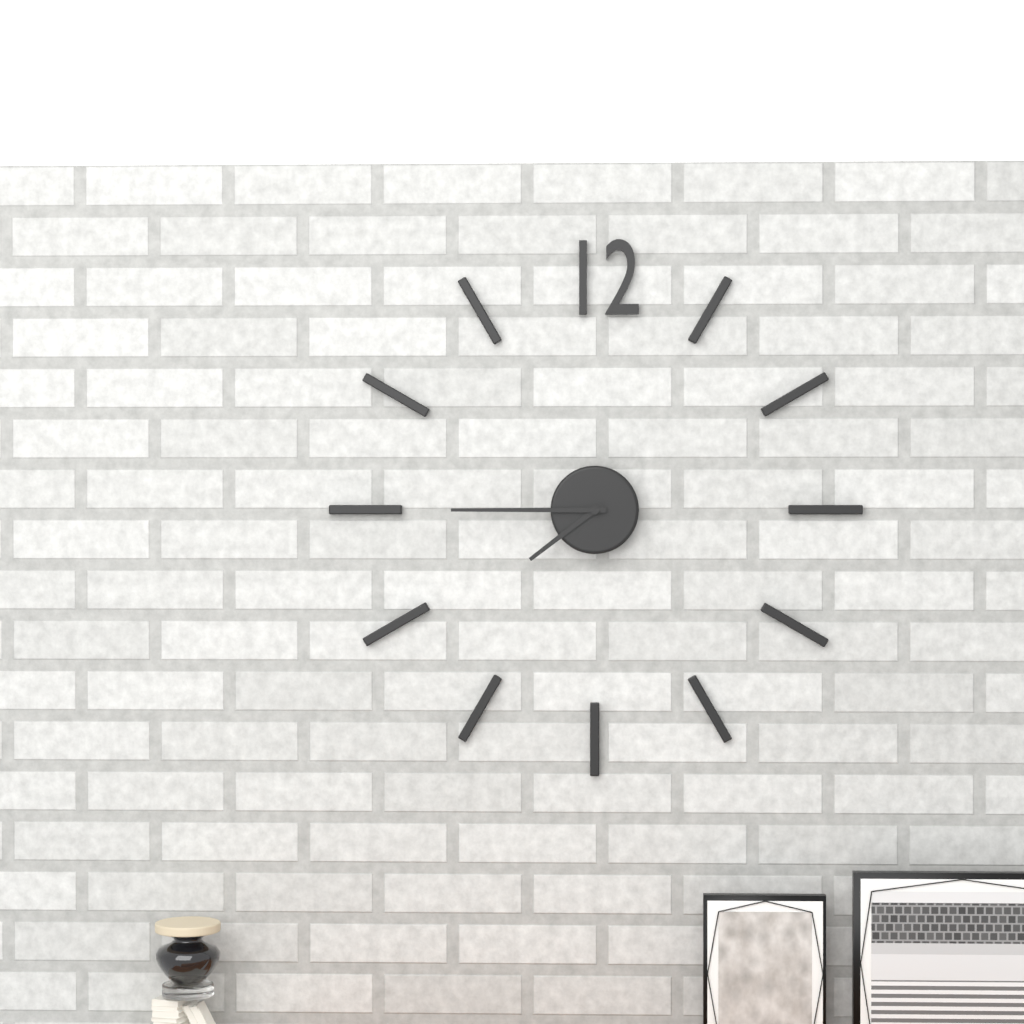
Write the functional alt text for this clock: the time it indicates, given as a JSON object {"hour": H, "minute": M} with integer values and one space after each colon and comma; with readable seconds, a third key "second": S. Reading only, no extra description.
{"hour": 7, "minute": 45}
